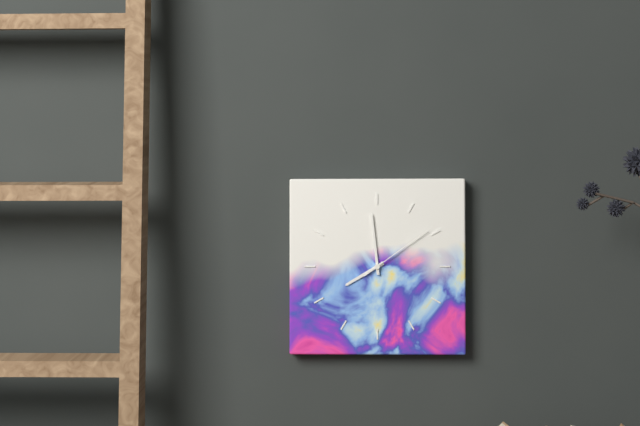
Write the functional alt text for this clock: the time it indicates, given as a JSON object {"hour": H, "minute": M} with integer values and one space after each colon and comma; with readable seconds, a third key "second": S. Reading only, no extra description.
{"hour": 7, "minute": 59, "second": 9}
